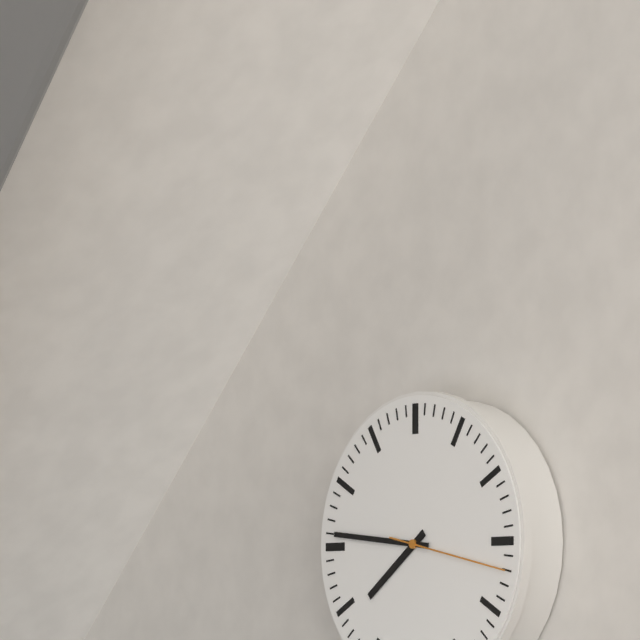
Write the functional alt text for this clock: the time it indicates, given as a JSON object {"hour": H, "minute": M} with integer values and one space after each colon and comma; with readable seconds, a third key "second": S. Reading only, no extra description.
{"hour": 7, "minute": 46, "second": 17}
